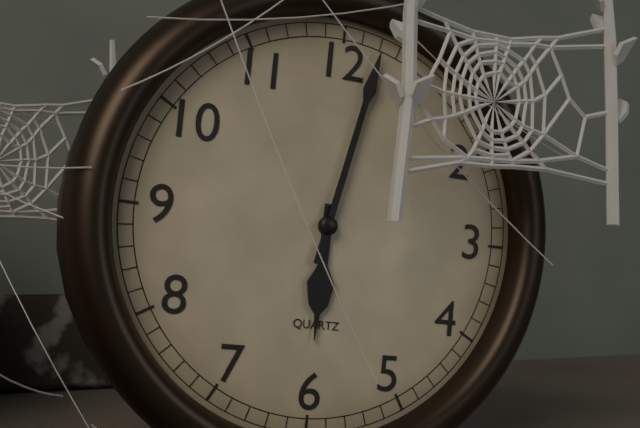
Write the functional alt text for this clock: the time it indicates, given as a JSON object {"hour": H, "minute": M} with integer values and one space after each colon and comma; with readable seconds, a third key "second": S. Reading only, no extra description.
{"hour": 6, "minute": 2}
